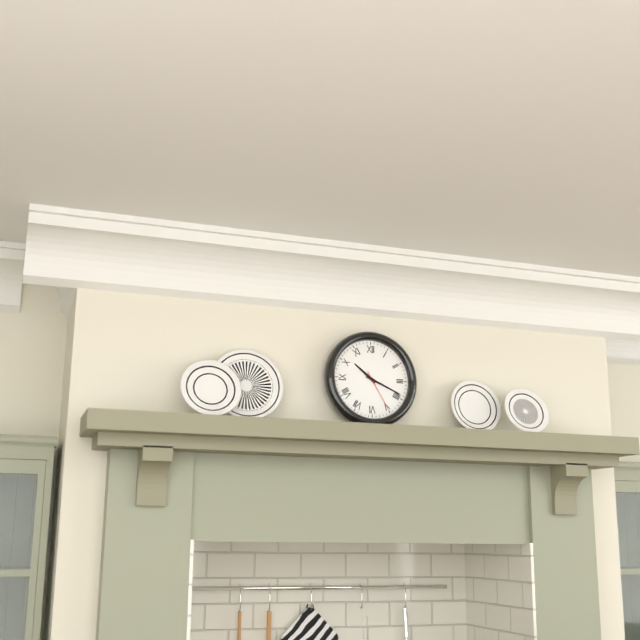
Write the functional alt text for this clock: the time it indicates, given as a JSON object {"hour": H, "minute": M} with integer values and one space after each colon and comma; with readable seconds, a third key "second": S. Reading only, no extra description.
{"hour": 10, "minute": 19}
